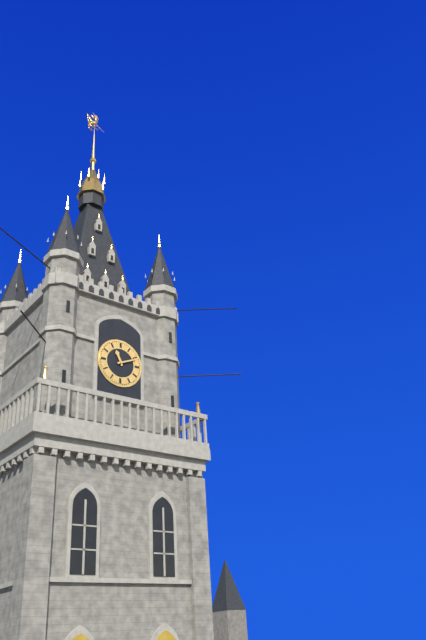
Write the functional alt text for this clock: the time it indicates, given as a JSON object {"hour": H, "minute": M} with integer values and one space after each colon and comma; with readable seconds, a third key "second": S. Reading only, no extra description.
{"hour": 11, "minute": 11}
